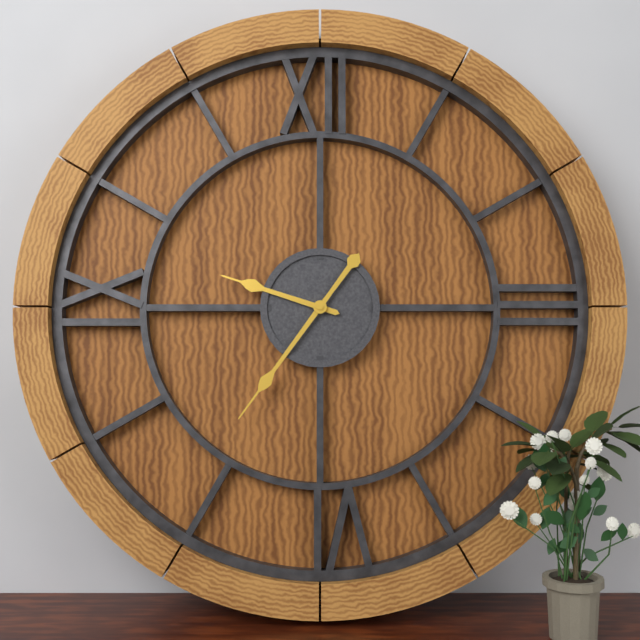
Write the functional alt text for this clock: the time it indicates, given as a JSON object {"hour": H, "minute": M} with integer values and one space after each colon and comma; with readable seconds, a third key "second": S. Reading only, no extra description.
{"hour": 9, "minute": 36}
